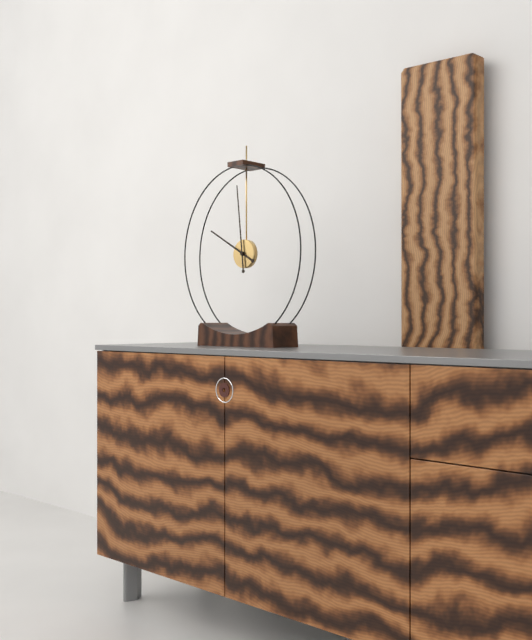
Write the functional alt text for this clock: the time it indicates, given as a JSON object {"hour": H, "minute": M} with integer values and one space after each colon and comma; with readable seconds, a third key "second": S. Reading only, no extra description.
{"hour": 9, "minute": 59}
